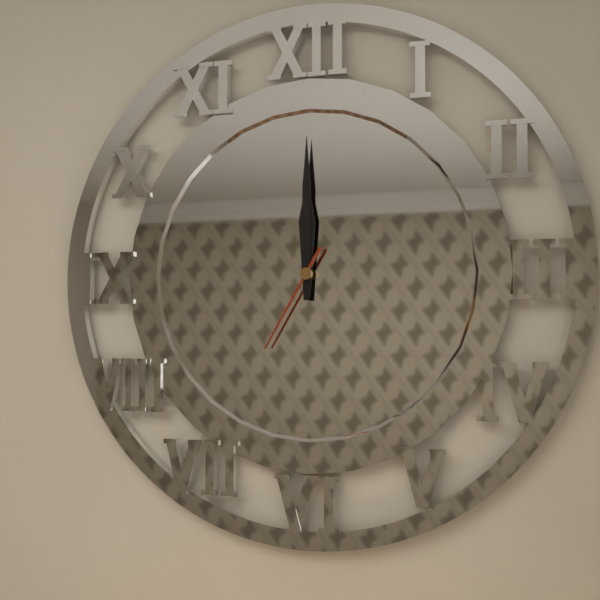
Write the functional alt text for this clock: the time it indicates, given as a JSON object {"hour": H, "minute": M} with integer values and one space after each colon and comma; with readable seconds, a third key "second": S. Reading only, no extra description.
{"hour": 12, "minute": 0, "second": 35}
